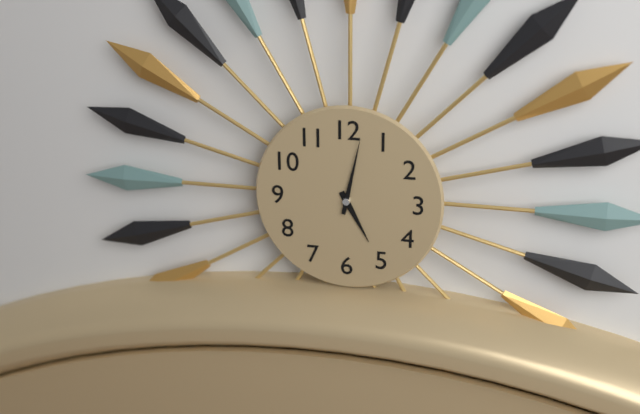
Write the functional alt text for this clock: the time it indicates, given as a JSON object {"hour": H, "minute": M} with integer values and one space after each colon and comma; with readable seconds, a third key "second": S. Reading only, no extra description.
{"hour": 5, "minute": 2}
